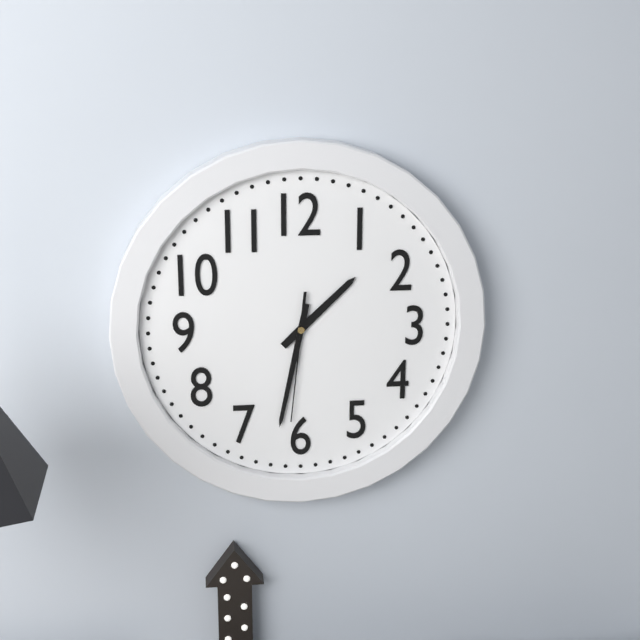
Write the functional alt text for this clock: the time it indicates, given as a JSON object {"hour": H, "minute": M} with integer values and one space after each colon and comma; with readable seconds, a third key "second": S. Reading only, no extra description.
{"hour": 1, "minute": 32, "second": 31}
